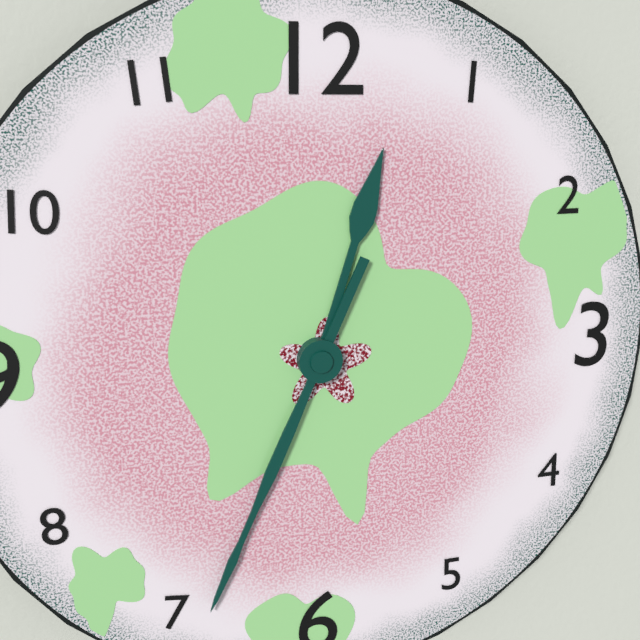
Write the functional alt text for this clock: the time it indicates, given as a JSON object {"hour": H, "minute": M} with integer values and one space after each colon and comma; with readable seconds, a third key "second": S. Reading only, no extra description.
{"hour": 12, "minute": 34}
